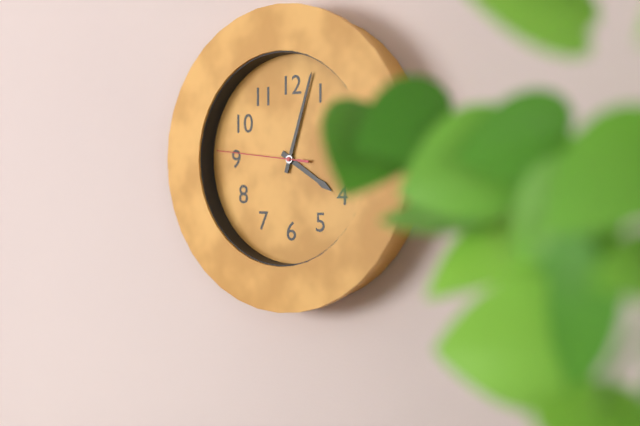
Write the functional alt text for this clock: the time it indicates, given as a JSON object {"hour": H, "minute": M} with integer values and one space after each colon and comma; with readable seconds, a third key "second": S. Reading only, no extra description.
{"hour": 4, "minute": 3, "second": 46}
